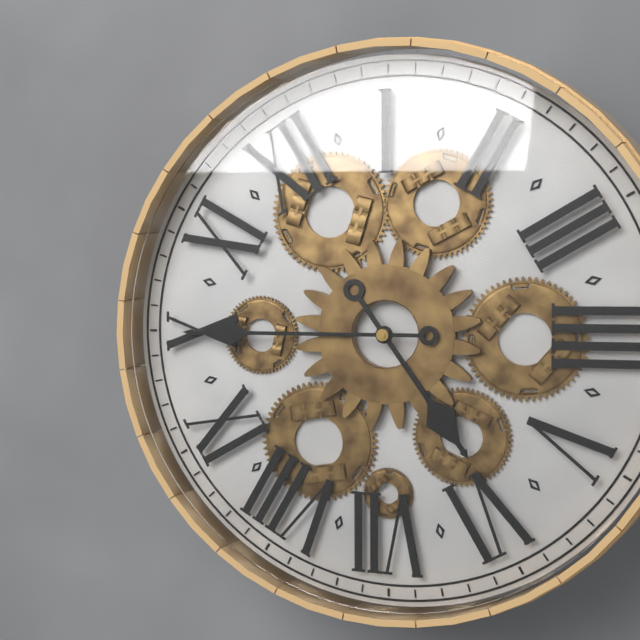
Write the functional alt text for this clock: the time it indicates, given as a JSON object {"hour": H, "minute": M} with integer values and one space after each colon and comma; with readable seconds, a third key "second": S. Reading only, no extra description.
{"hour": 5, "minute": 50}
